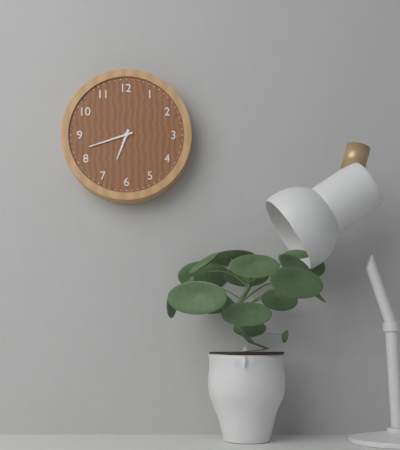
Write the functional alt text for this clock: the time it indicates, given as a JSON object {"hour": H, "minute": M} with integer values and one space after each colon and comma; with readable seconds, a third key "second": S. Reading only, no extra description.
{"hour": 6, "minute": 42}
